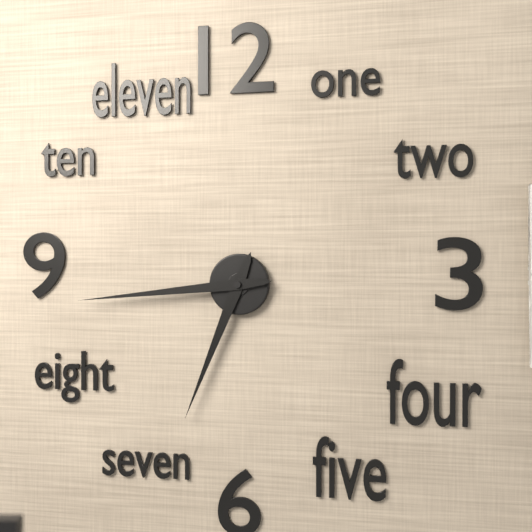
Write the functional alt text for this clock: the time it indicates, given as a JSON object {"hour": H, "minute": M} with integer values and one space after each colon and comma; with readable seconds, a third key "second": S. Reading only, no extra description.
{"hour": 6, "minute": 44}
